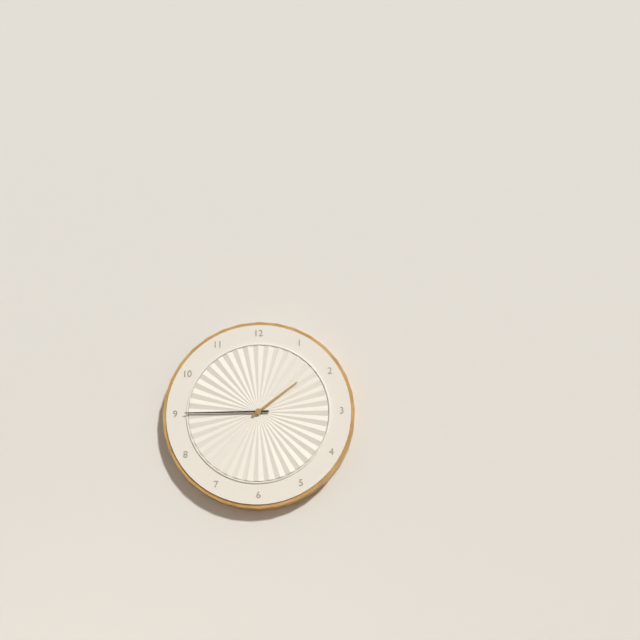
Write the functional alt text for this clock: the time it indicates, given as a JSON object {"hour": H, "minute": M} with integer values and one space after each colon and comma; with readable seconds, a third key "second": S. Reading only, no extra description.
{"hour": 1, "minute": 45}
